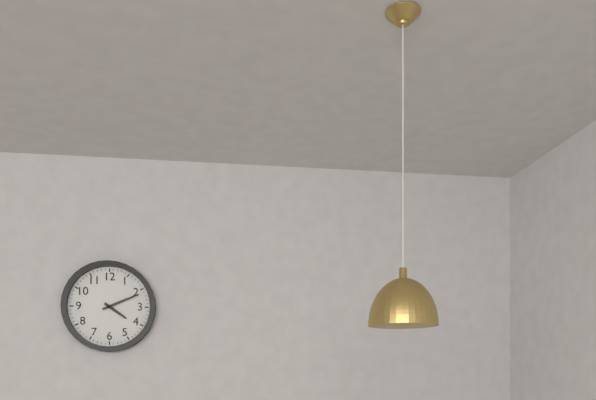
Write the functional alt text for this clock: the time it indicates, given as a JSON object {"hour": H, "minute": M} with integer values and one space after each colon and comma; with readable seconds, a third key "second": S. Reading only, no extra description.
{"hour": 4, "minute": 11}
